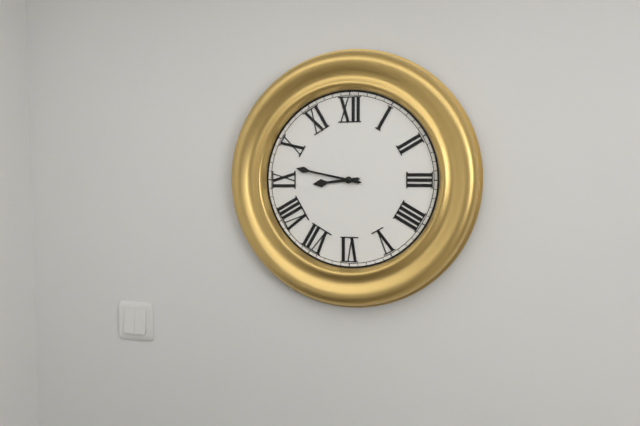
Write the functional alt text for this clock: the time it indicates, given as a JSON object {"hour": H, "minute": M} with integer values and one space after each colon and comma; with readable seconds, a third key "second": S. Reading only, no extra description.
{"hour": 8, "minute": 47}
